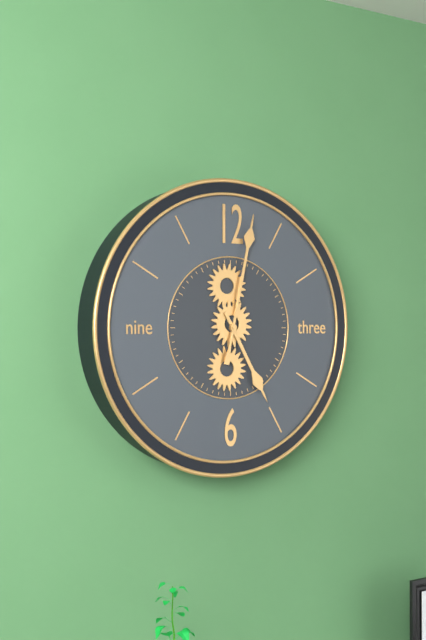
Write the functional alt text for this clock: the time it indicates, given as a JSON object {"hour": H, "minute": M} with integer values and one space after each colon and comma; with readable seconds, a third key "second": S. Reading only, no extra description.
{"hour": 5, "minute": 2}
